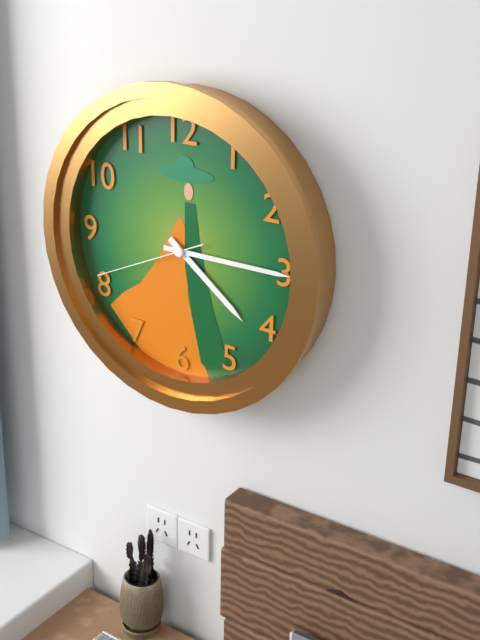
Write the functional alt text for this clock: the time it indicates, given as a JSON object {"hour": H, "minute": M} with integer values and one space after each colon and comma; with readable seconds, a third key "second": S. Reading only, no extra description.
{"hour": 4, "minute": 15, "second": 41}
